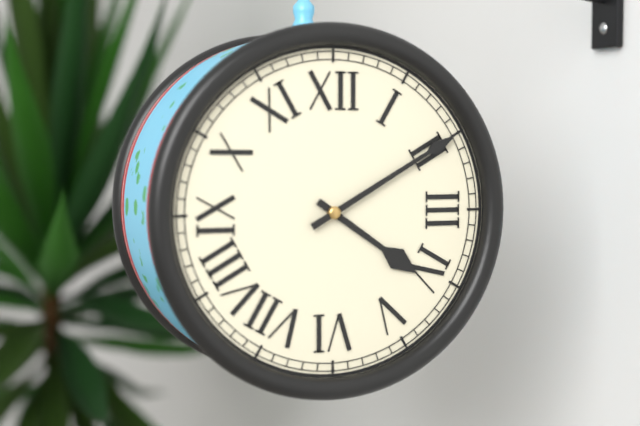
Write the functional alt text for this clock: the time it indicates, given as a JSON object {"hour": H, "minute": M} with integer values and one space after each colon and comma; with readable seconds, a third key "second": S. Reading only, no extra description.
{"hour": 4, "minute": 10}
